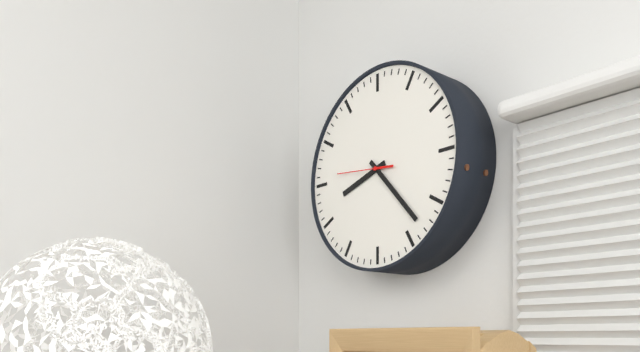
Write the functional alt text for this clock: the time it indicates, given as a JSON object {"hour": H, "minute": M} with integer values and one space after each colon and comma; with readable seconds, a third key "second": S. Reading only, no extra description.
{"hour": 8, "minute": 23}
